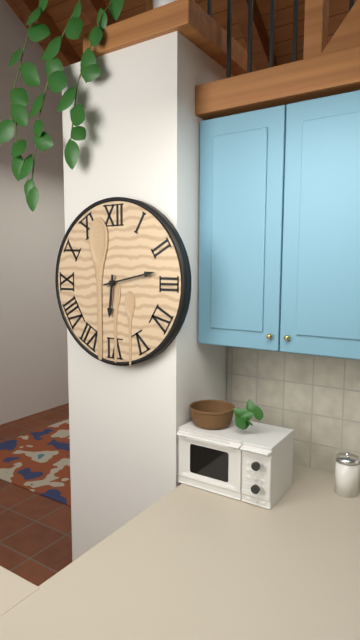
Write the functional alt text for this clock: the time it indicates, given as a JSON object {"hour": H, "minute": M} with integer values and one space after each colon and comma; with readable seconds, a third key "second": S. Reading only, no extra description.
{"hour": 6, "minute": 13}
